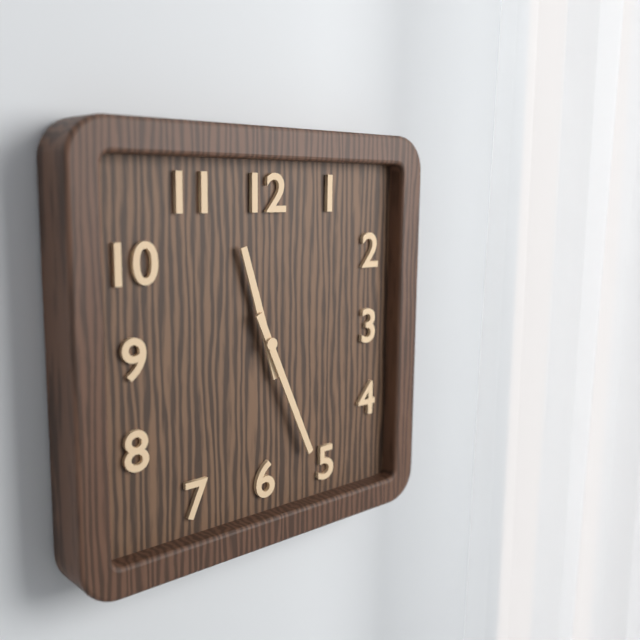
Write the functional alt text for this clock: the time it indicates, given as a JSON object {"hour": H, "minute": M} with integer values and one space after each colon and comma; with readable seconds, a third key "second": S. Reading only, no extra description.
{"hour": 11, "minute": 26}
